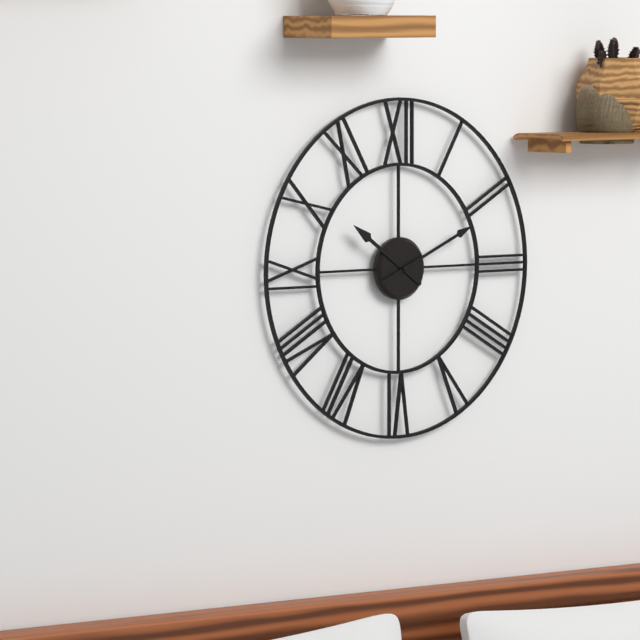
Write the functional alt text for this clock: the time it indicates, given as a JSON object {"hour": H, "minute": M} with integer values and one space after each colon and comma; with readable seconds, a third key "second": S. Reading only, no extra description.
{"hour": 10, "minute": 11}
